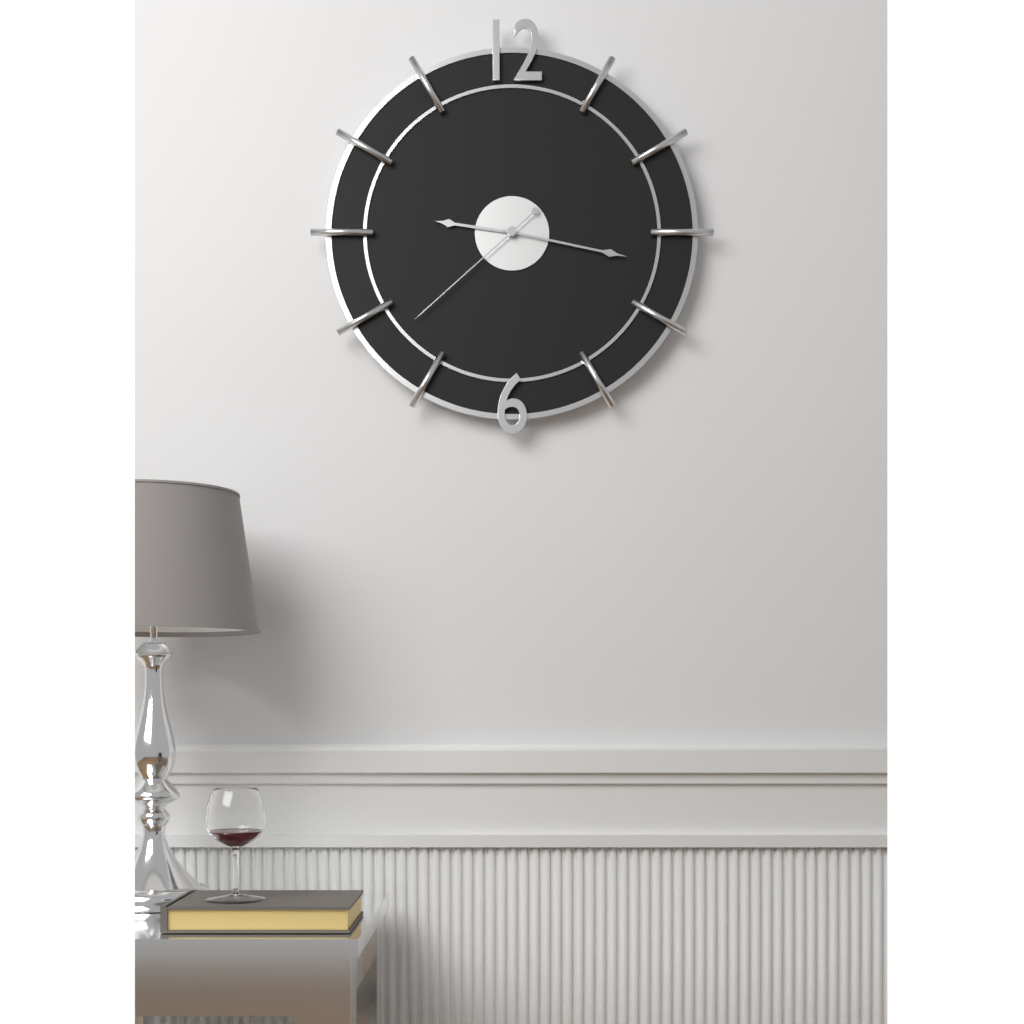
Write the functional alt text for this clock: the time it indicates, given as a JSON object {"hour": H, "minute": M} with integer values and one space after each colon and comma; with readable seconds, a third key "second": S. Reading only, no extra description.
{"hour": 9, "minute": 17, "second": 38}
